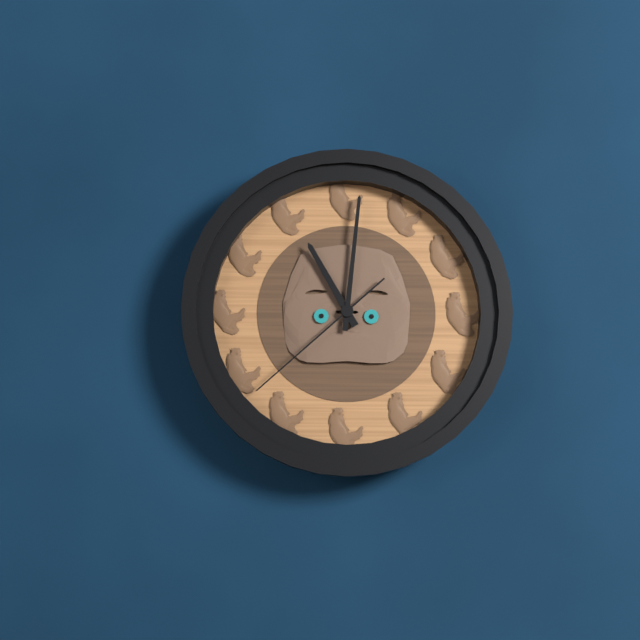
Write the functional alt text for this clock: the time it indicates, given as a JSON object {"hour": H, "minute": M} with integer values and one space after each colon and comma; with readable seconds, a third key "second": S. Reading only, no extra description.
{"hour": 11, "minute": 1, "second": 38}
